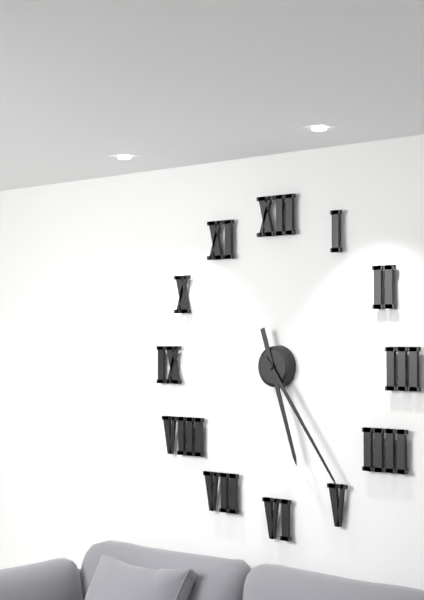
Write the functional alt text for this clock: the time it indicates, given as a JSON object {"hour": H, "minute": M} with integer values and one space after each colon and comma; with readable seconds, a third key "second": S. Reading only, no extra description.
{"hour": 5, "minute": 24}
